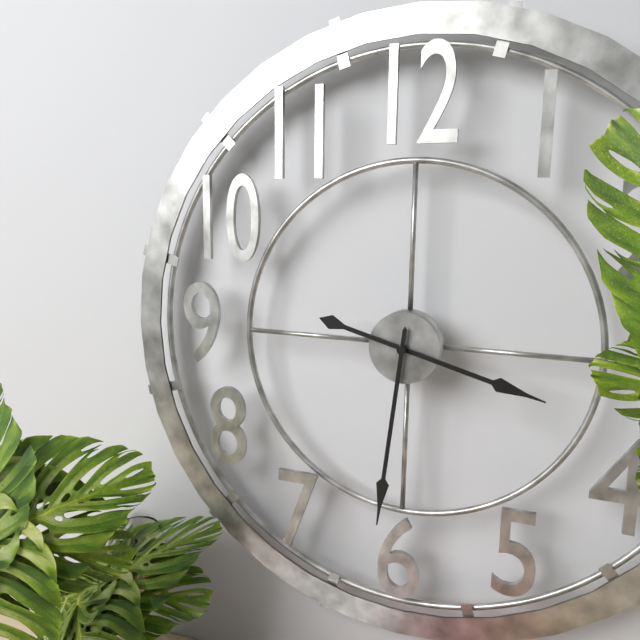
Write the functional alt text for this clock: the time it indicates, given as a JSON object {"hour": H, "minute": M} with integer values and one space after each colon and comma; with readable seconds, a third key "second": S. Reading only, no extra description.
{"hour": 3, "minute": 31}
